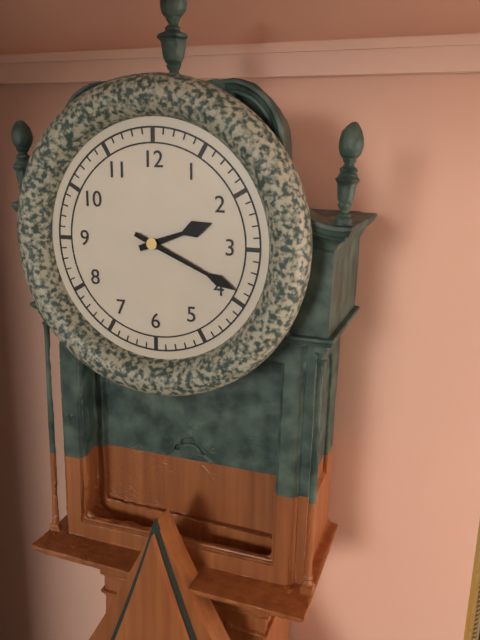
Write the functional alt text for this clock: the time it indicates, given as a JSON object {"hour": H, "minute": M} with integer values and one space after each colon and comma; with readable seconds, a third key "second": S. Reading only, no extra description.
{"hour": 2, "minute": 19}
